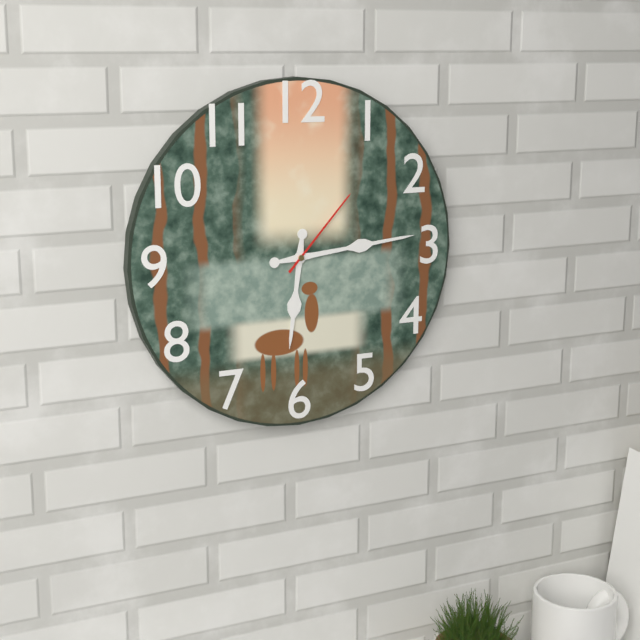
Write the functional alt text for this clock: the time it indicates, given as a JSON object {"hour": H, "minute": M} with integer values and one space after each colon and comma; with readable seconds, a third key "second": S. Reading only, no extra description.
{"hour": 6, "minute": 14, "second": 7}
